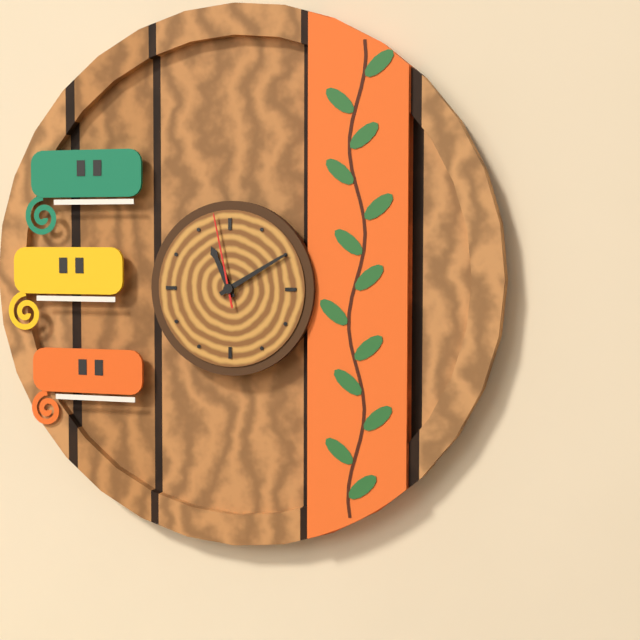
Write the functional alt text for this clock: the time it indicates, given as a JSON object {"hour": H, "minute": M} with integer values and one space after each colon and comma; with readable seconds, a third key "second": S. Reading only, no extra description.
{"hour": 11, "minute": 10, "second": 58}
